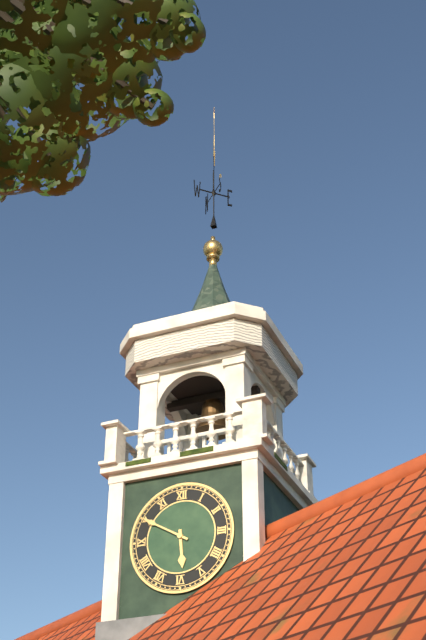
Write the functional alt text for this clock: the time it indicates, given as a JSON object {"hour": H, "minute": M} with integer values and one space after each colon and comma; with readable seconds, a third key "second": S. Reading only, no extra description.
{"hour": 5, "minute": 50}
